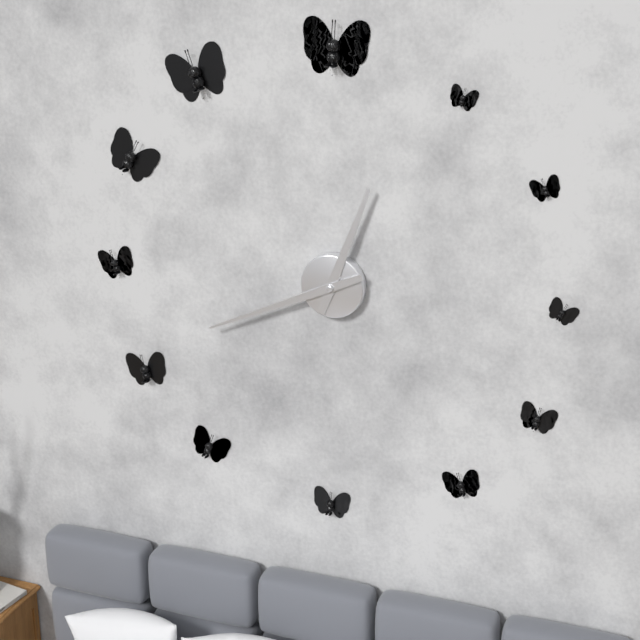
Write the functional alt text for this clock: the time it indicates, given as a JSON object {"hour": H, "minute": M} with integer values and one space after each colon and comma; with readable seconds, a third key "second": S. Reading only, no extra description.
{"hour": 12, "minute": 41}
